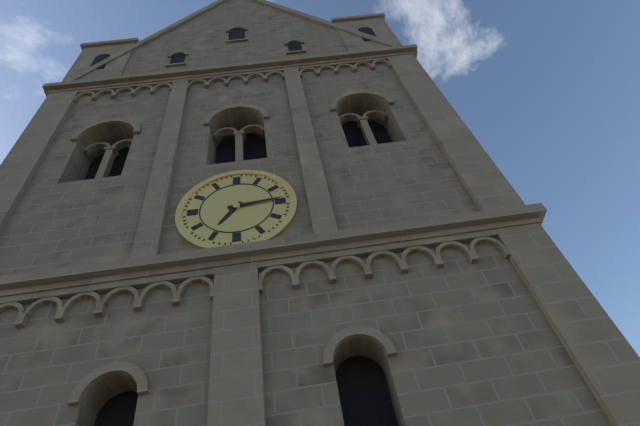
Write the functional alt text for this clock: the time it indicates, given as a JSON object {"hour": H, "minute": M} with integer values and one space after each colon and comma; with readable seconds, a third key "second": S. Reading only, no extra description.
{"hour": 7, "minute": 14}
